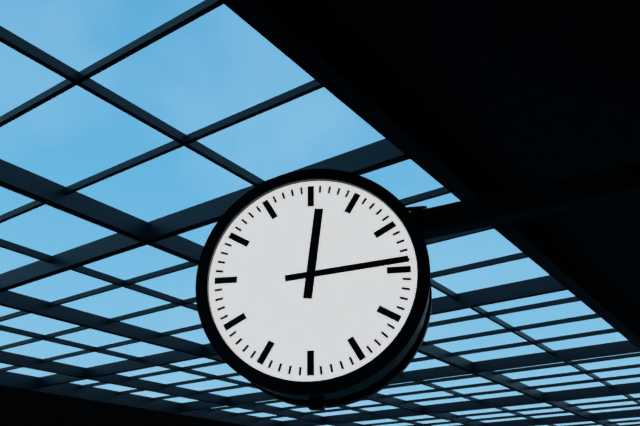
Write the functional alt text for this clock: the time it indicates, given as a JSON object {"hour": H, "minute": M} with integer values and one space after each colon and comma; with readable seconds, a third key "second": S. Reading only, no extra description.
{"hour": 12, "minute": 14}
